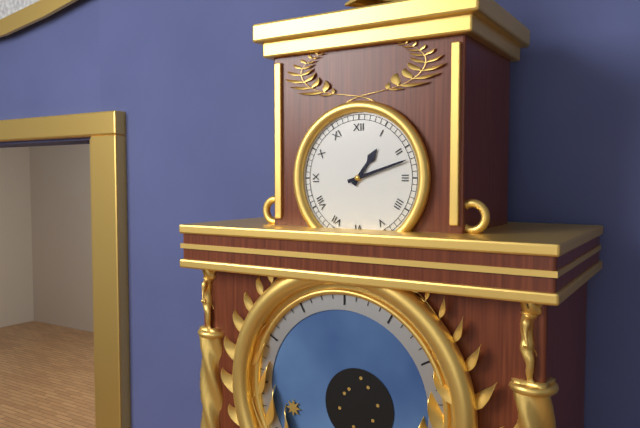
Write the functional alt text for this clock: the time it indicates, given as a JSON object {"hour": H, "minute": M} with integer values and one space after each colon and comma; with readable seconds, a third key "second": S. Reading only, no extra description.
{"hour": 1, "minute": 12}
